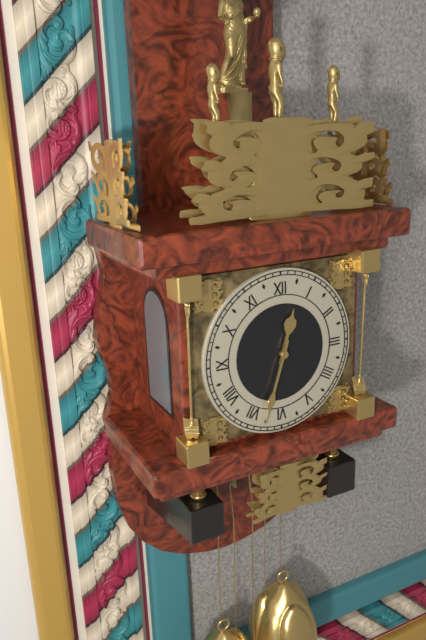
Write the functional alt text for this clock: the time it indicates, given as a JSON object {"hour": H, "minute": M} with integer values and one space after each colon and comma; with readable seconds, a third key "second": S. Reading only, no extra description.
{"hour": 12, "minute": 33}
